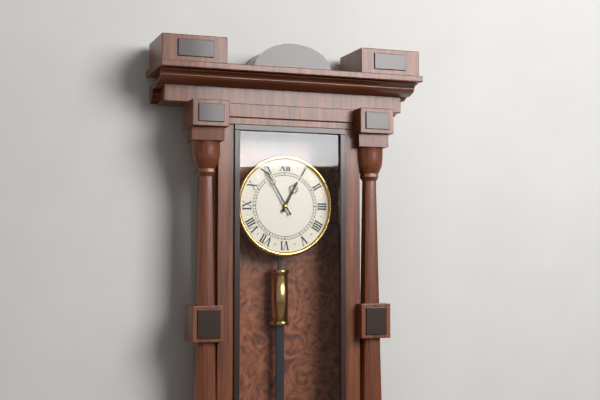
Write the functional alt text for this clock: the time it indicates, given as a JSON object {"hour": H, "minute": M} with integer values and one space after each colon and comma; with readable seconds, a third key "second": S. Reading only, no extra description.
{"hour": 12, "minute": 55}
